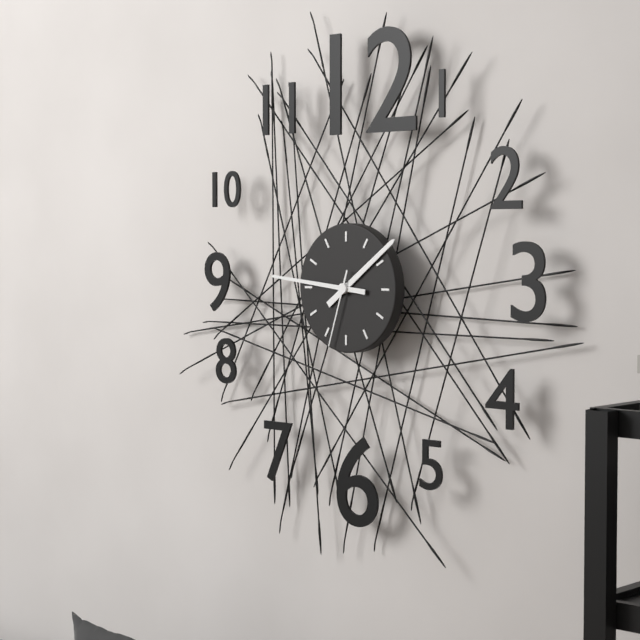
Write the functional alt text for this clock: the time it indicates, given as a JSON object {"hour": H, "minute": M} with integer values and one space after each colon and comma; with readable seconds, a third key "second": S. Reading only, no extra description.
{"hour": 1, "minute": 46, "second": 33}
